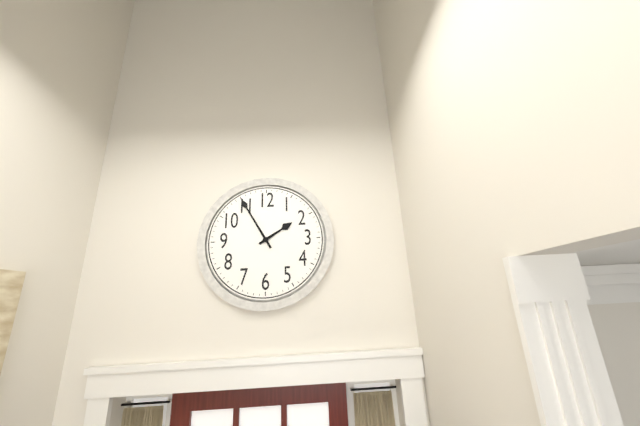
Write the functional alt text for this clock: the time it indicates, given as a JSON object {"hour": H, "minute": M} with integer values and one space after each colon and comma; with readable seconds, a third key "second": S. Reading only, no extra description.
{"hour": 1, "minute": 55}
